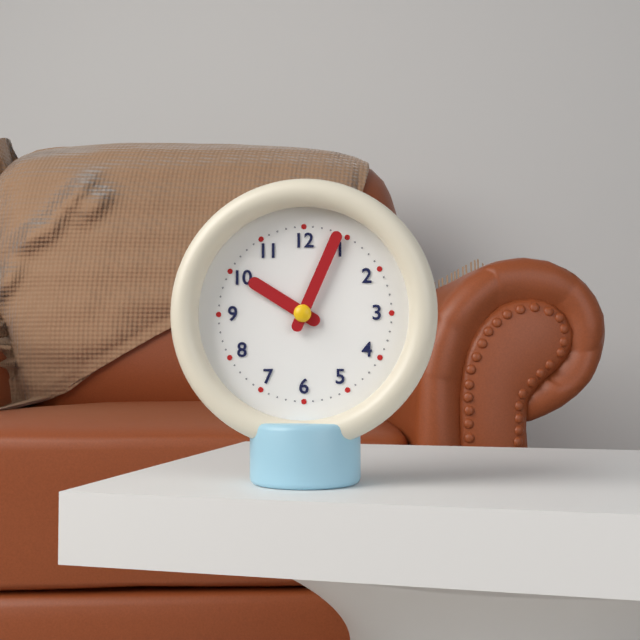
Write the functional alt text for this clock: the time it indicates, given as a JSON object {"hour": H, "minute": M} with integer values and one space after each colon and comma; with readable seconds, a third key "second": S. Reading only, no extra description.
{"hour": 10, "minute": 4}
